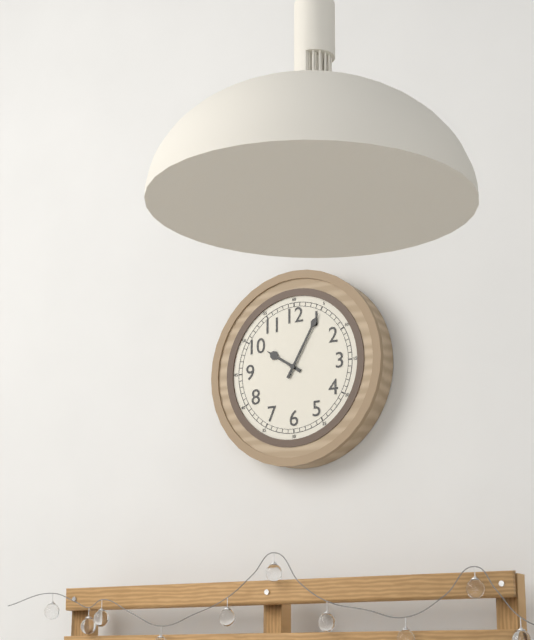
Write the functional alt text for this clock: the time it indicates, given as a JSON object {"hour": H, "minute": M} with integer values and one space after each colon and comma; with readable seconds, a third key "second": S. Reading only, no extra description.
{"hour": 10, "minute": 5}
